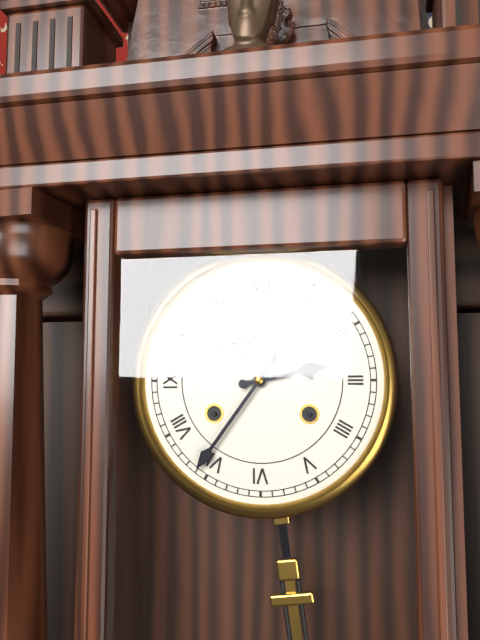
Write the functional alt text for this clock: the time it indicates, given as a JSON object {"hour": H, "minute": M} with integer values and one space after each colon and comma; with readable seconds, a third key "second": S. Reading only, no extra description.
{"hour": 2, "minute": 36}
